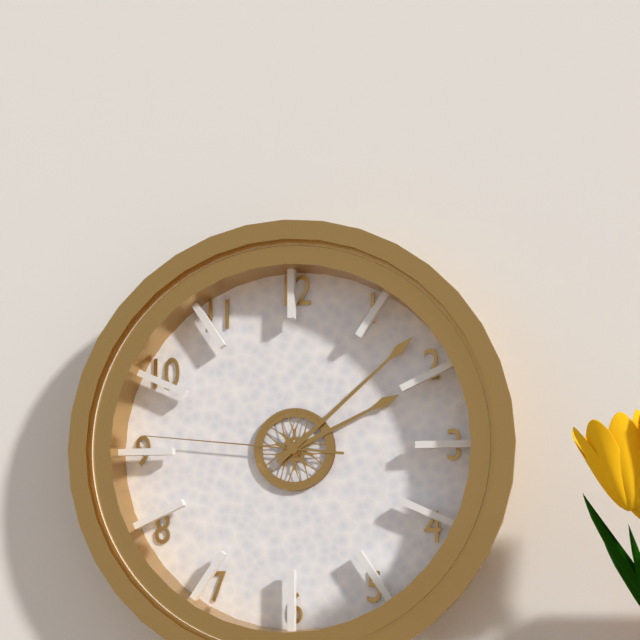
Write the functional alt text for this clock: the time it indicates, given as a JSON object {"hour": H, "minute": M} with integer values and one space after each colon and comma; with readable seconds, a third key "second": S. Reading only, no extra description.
{"hour": 2, "minute": 8, "second": 46}
